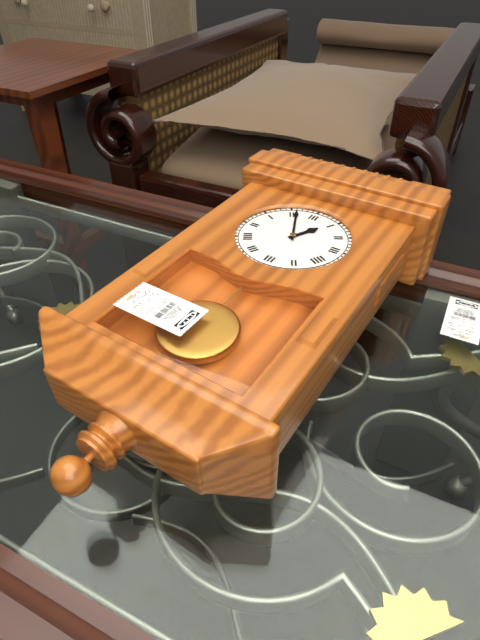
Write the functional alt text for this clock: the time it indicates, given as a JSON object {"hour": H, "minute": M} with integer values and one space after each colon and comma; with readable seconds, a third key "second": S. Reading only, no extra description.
{"hour": 12, "minute": 56}
